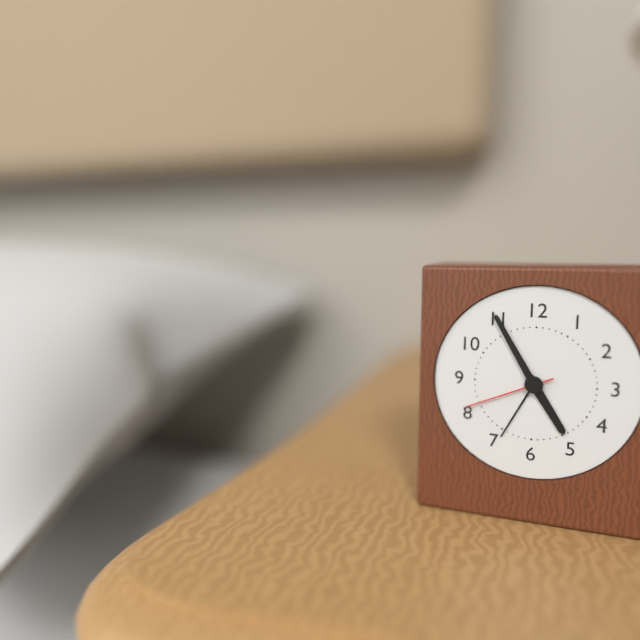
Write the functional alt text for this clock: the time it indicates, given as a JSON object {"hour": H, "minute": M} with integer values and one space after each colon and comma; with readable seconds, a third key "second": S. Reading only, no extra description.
{"hour": 4, "minute": 55, "second": 41}
